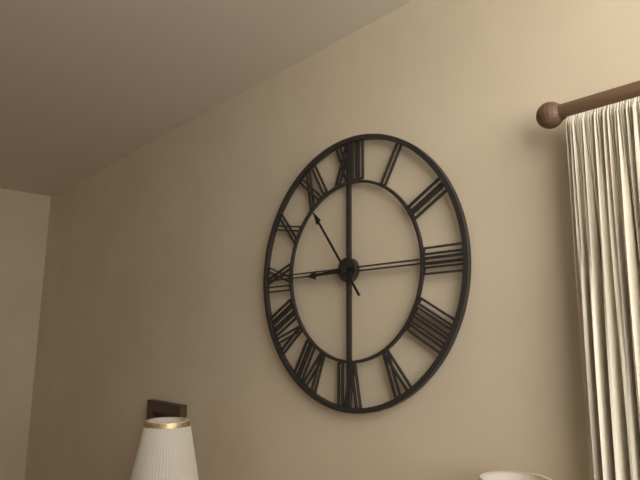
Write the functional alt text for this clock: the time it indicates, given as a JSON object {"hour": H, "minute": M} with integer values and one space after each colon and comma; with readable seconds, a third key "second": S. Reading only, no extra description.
{"hour": 8, "minute": 54}
